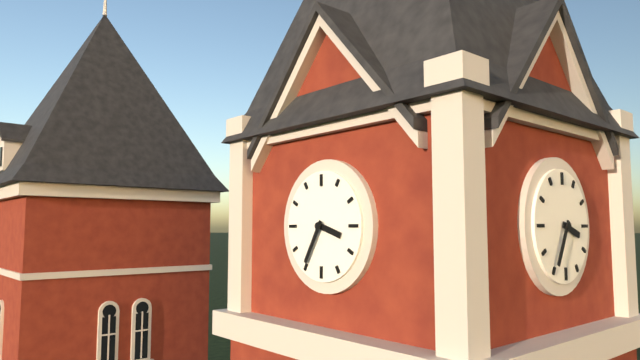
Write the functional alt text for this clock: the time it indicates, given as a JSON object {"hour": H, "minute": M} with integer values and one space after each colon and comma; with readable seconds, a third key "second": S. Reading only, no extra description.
{"hour": 3, "minute": 35}
